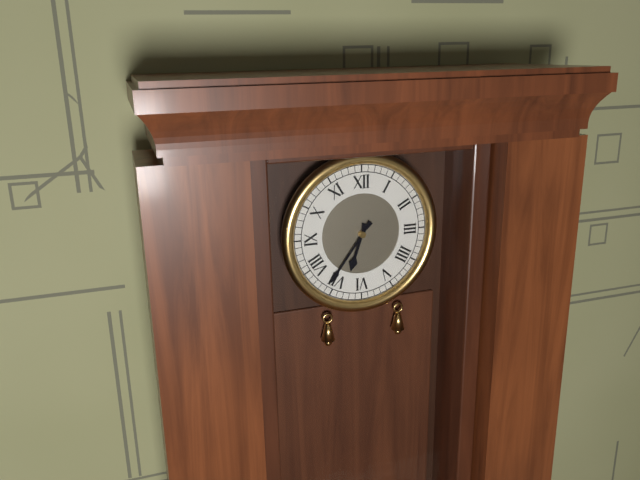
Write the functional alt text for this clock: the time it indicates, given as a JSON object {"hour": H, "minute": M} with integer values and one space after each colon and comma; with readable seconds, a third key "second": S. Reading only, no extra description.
{"hour": 6, "minute": 36}
